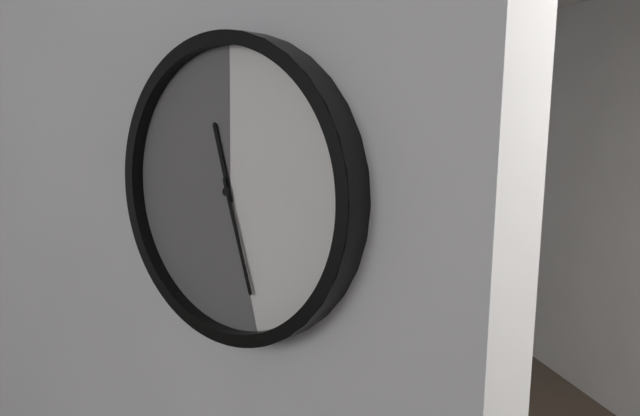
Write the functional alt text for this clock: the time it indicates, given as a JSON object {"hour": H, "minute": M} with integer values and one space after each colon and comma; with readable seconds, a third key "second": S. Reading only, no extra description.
{"hour": 11, "minute": 27}
